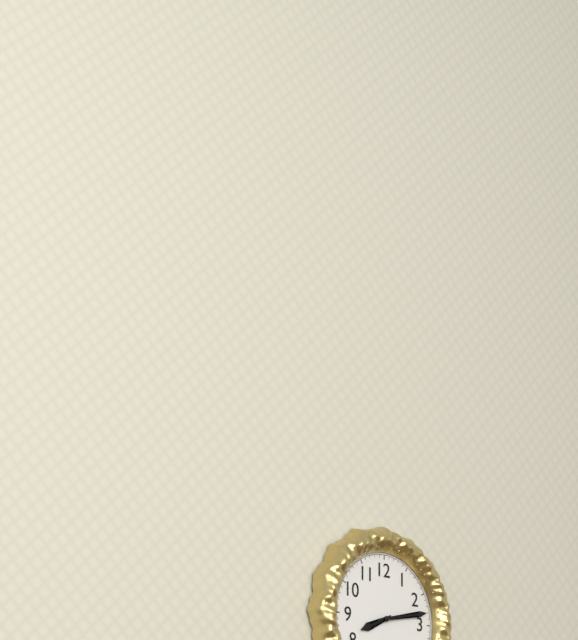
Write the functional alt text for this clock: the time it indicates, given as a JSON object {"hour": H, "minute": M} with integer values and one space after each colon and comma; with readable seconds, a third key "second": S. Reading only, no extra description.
{"hour": 8, "minute": 13}
